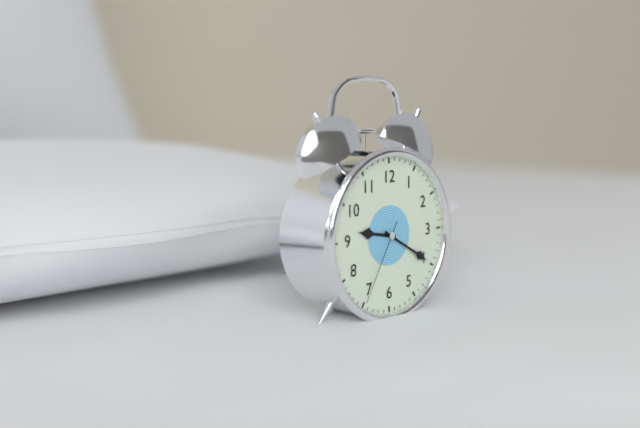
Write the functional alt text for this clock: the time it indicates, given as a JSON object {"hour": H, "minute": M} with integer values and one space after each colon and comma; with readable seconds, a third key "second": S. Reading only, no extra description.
{"hour": 9, "minute": 20, "second": 35}
